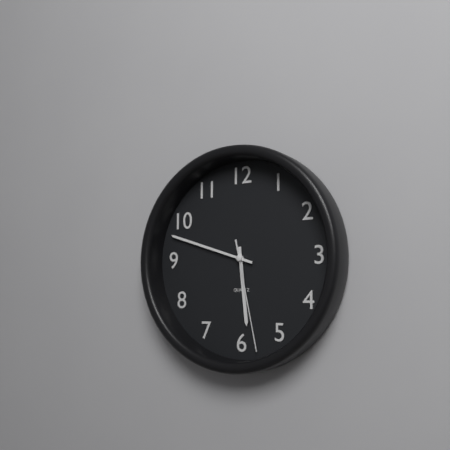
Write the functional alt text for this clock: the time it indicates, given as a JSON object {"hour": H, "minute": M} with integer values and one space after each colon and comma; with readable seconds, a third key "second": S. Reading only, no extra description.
{"hour": 5, "minute": 48, "second": 28}
